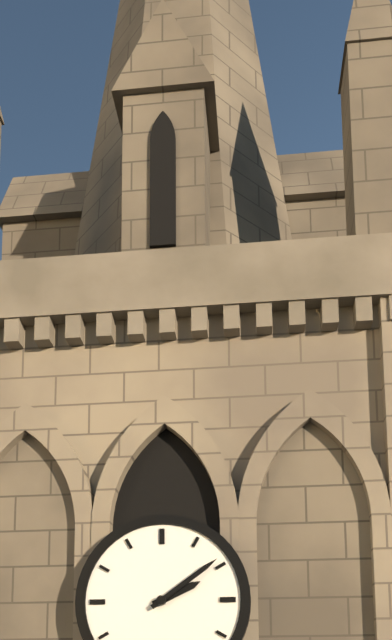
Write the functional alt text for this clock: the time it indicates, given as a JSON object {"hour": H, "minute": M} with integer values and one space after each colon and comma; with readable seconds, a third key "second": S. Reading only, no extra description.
{"hour": 2, "minute": 9}
